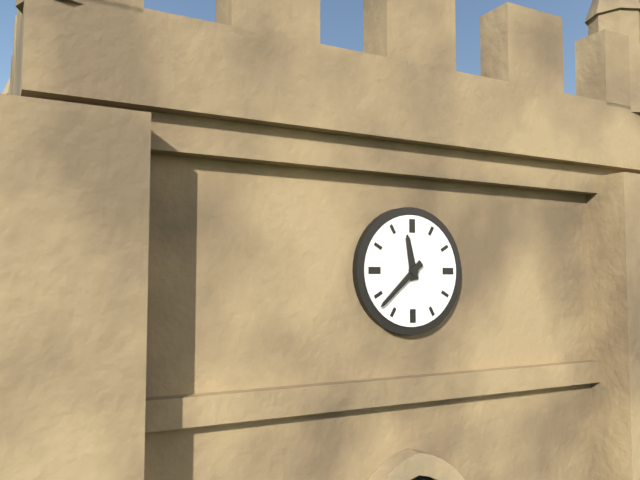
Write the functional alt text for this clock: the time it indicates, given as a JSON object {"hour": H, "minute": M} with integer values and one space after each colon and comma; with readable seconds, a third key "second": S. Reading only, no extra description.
{"hour": 11, "minute": 38}
